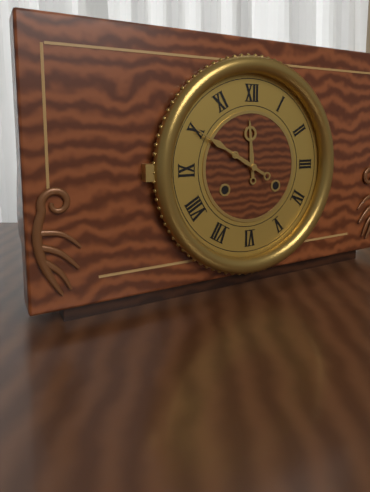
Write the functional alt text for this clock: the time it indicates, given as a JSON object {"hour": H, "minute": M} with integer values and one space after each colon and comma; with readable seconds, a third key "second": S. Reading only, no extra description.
{"hour": 11, "minute": 50}
